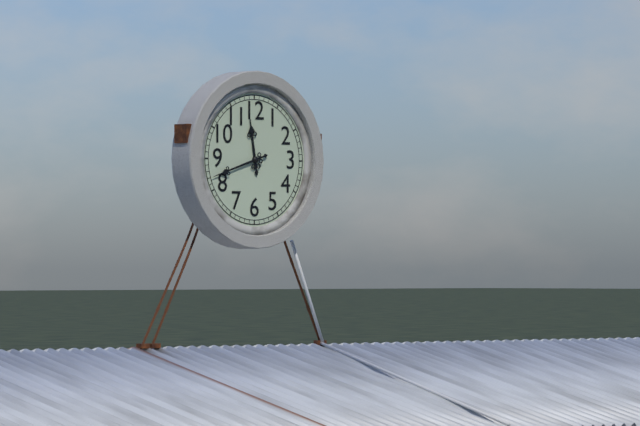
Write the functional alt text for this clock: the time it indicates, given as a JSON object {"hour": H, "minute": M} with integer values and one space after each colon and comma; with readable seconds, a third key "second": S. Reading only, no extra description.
{"hour": 11, "minute": 42}
